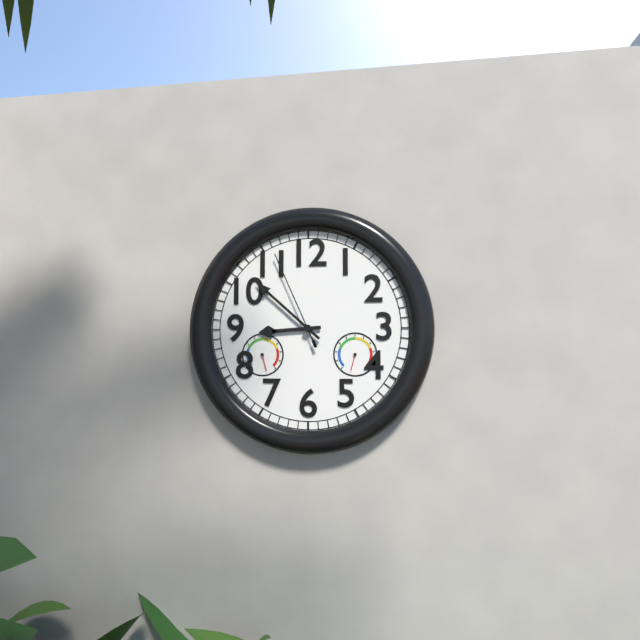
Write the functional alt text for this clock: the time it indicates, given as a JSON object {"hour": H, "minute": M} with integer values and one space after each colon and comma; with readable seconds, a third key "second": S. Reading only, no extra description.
{"hour": 8, "minute": 52, "second": 56}
